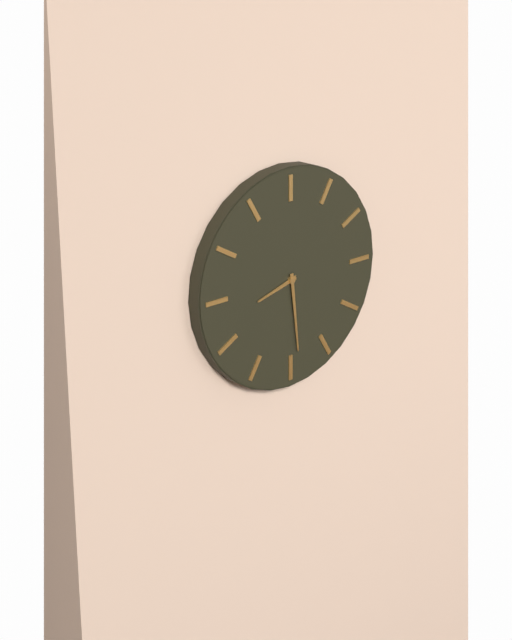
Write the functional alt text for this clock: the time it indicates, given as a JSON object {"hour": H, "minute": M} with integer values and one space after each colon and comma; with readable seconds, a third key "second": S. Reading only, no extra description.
{"hour": 8, "minute": 29}
